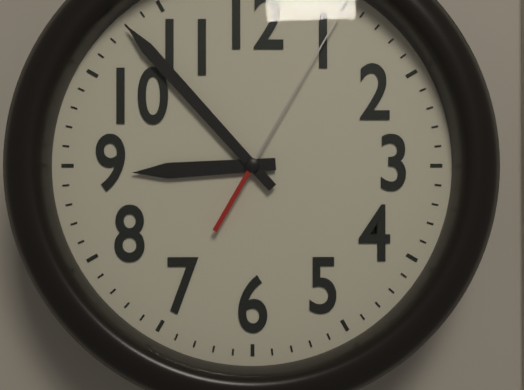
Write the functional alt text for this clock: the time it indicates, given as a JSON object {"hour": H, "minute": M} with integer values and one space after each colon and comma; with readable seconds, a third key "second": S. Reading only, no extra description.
{"hour": 8, "minute": 53, "second": 5}
